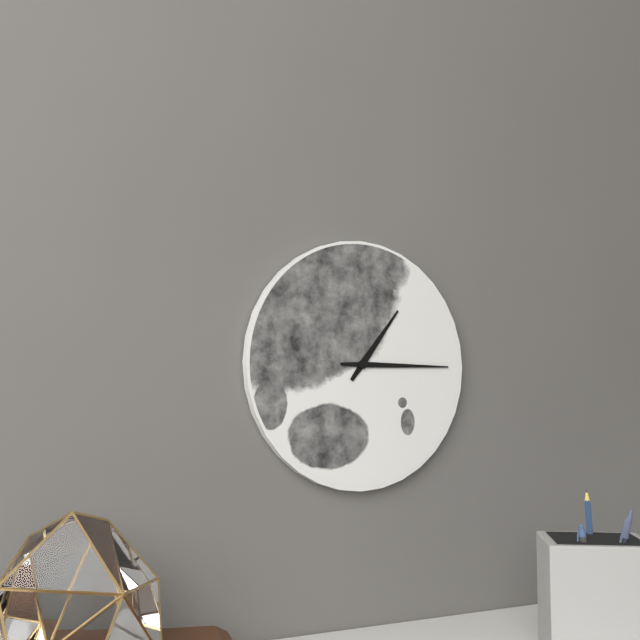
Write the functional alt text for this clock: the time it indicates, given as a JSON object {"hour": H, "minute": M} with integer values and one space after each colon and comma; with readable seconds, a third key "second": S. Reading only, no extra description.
{"hour": 1, "minute": 15}
